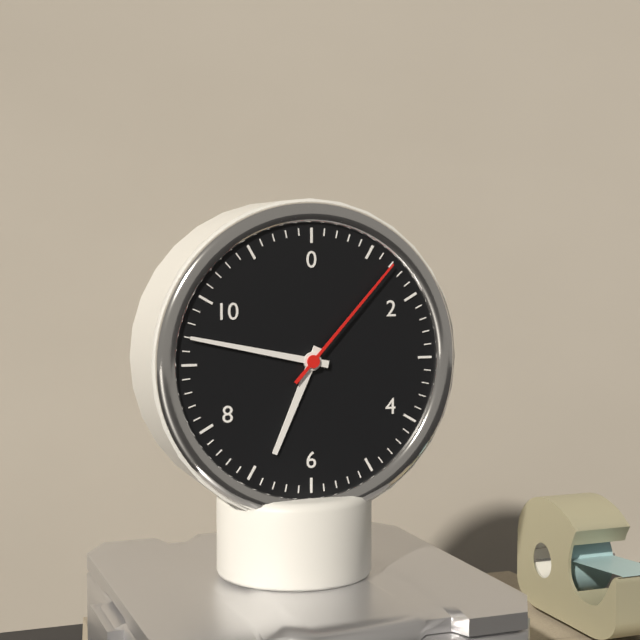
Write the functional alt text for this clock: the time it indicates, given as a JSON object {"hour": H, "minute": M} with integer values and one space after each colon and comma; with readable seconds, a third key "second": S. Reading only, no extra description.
{"hour": 6, "minute": 47, "second": 7}
